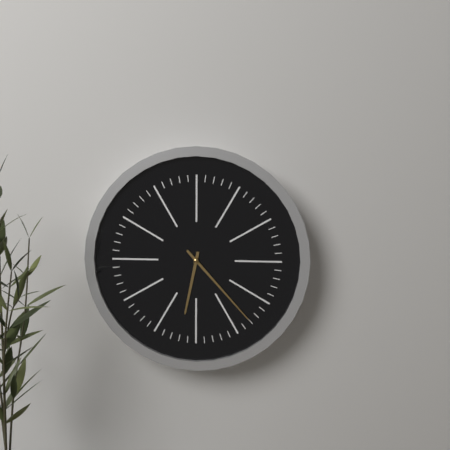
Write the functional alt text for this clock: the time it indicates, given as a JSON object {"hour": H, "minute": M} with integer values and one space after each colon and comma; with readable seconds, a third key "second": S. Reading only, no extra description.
{"hour": 6, "minute": 23}
